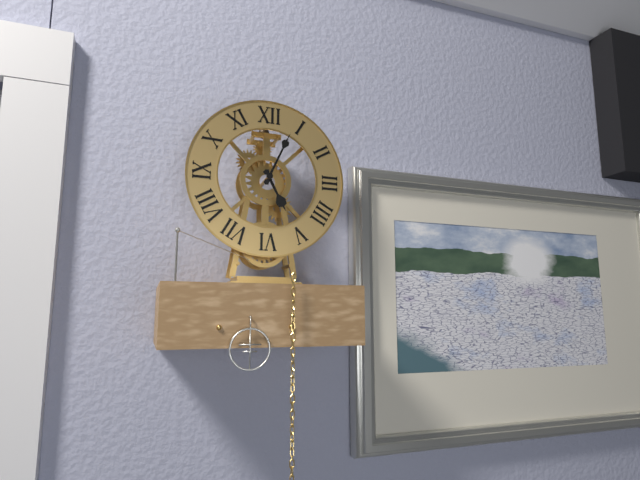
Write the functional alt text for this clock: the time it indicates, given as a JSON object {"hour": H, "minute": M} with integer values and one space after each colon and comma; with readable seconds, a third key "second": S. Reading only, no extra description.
{"hour": 5, "minute": 4}
